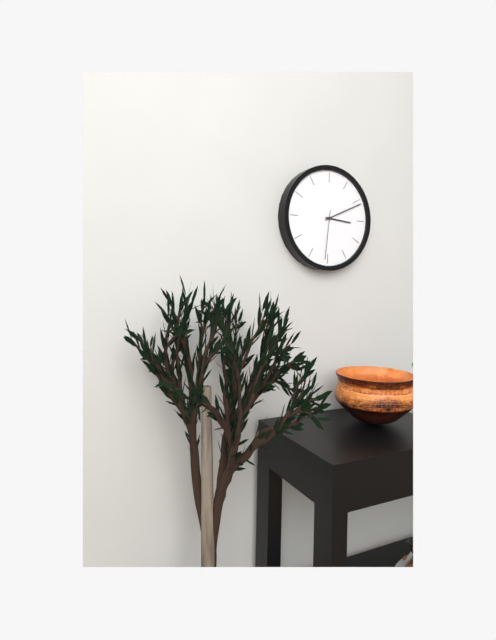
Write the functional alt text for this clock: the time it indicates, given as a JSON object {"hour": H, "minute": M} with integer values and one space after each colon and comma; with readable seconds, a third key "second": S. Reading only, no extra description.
{"hour": 3, "minute": 11, "second": 31}
